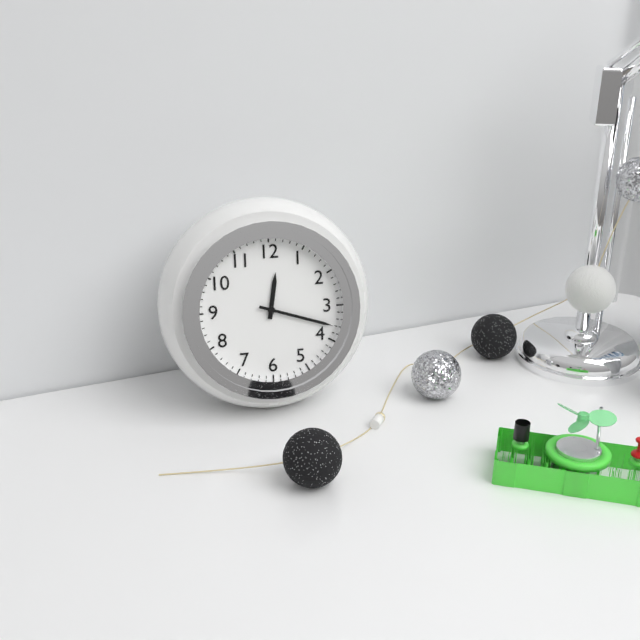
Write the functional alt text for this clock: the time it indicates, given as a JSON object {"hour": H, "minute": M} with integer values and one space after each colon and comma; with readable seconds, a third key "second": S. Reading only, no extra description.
{"hour": 12, "minute": 18}
